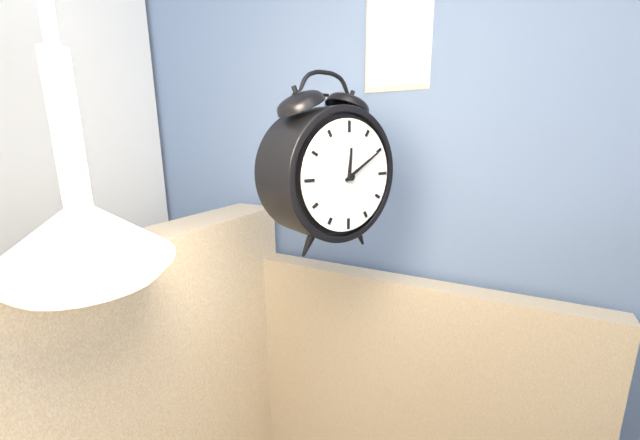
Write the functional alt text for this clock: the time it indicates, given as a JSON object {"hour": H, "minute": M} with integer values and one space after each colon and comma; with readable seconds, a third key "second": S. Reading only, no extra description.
{"hour": 12, "minute": 10}
